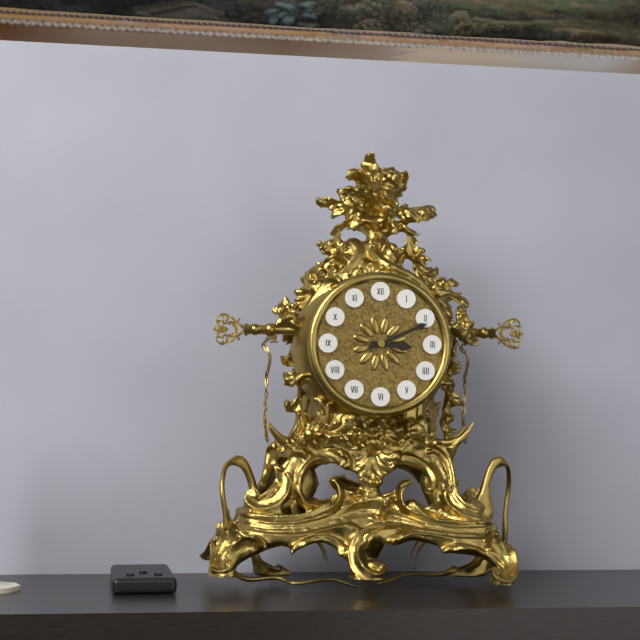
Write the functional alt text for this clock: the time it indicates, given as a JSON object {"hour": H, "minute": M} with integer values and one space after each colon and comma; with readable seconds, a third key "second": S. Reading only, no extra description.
{"hour": 3, "minute": 11}
